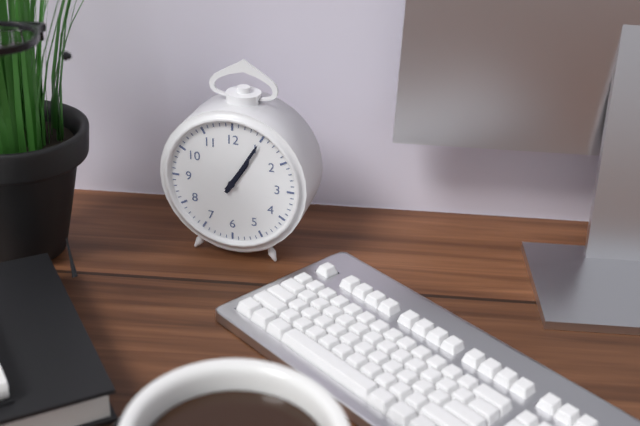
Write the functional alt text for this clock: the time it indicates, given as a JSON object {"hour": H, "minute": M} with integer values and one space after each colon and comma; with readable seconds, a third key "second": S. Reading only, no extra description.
{"hour": 1, "minute": 5}
